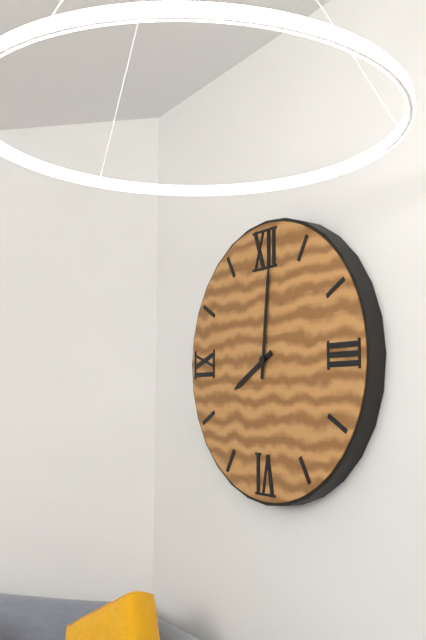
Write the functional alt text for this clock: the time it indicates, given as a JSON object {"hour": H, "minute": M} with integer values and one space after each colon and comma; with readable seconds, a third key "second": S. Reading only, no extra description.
{"hour": 8, "minute": 1}
